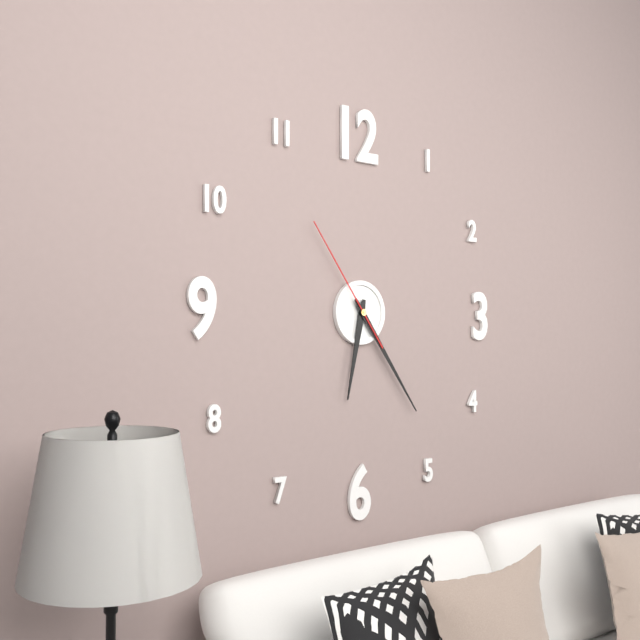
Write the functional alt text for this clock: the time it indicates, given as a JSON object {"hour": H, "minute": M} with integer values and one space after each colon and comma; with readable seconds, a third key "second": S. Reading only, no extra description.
{"hour": 6, "minute": 24, "second": 54}
